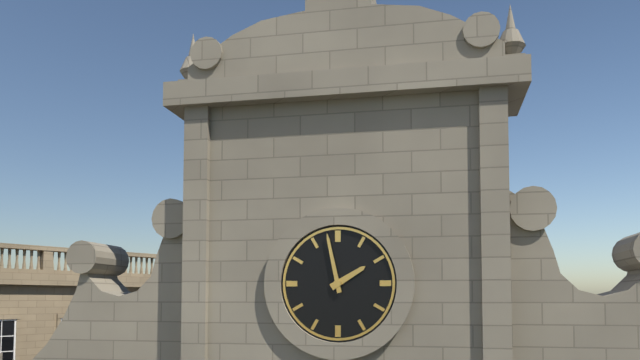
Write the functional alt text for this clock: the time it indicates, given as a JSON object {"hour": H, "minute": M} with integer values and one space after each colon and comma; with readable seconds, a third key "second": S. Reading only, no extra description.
{"hour": 1, "minute": 58}
